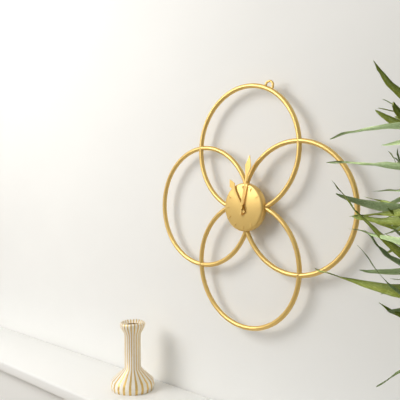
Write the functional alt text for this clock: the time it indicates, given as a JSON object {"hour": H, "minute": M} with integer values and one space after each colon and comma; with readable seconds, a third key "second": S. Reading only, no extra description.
{"hour": 11, "minute": 2}
